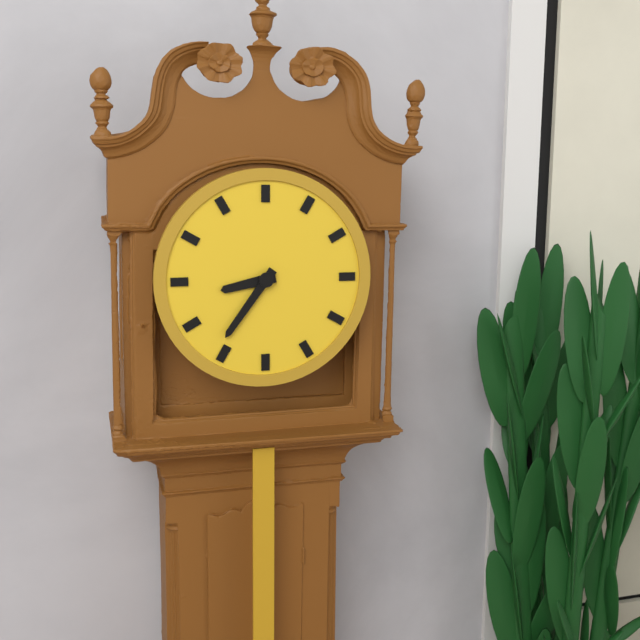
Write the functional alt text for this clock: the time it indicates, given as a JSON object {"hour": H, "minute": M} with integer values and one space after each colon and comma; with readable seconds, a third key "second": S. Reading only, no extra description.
{"hour": 8, "minute": 36}
